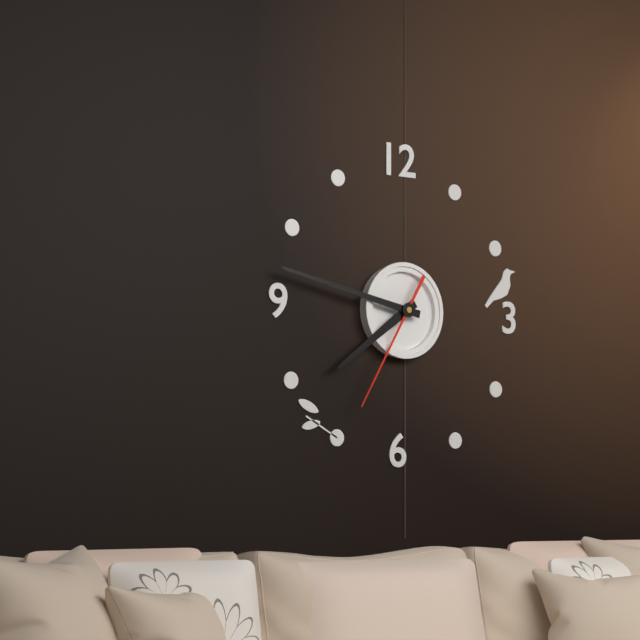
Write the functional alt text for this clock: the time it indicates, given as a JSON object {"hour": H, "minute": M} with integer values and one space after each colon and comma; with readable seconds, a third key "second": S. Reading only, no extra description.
{"hour": 7, "minute": 47, "second": 35}
